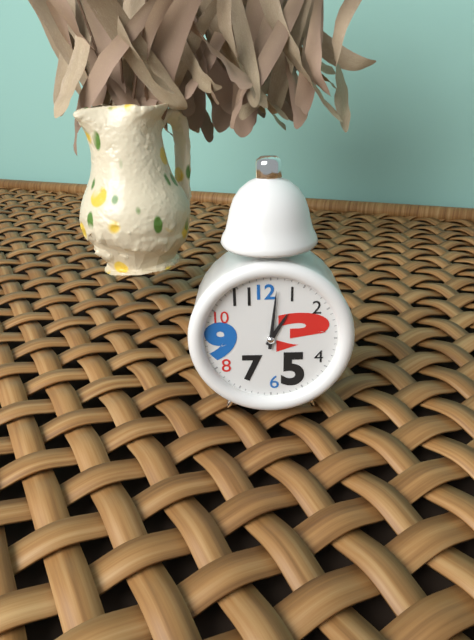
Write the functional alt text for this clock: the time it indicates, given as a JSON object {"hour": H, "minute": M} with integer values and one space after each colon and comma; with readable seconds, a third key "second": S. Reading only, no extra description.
{"hour": 1, "minute": 1}
